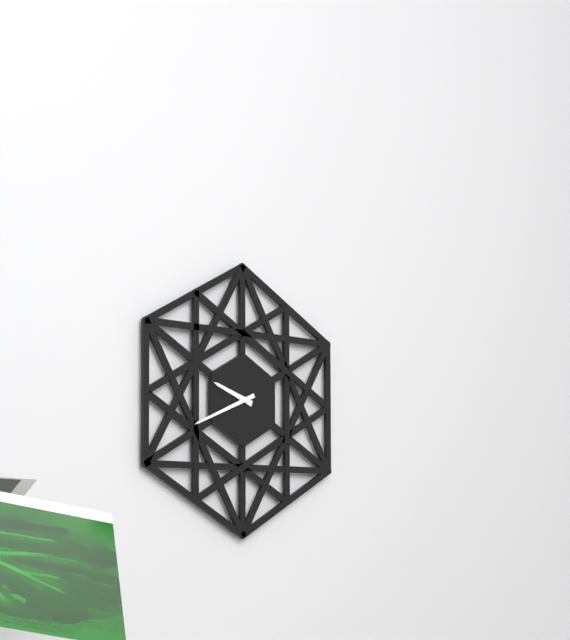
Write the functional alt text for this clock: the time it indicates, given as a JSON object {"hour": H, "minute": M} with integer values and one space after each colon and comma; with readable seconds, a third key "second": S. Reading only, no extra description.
{"hour": 9, "minute": 41}
